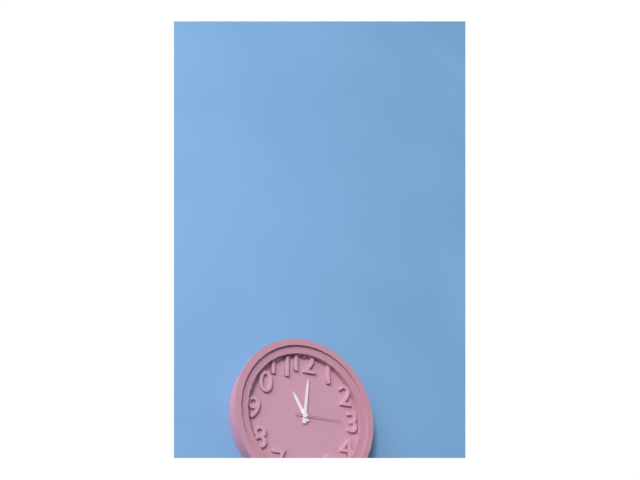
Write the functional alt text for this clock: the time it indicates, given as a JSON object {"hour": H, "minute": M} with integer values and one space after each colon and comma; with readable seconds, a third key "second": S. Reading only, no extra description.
{"hour": 11, "minute": 1}
